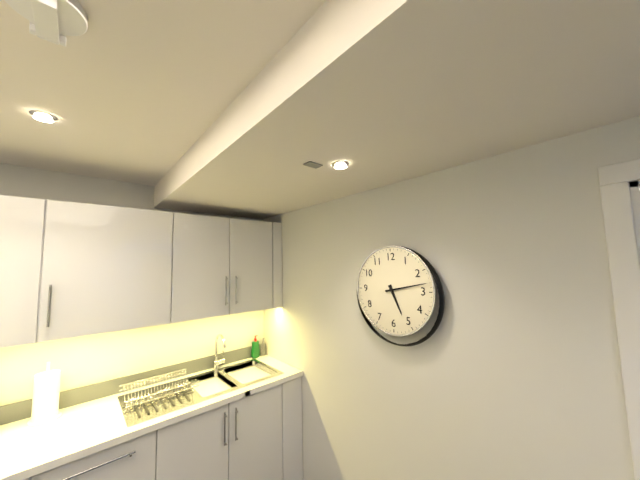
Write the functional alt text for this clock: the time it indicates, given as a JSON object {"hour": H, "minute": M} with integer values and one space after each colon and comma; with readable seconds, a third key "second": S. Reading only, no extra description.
{"hour": 5, "minute": 13}
